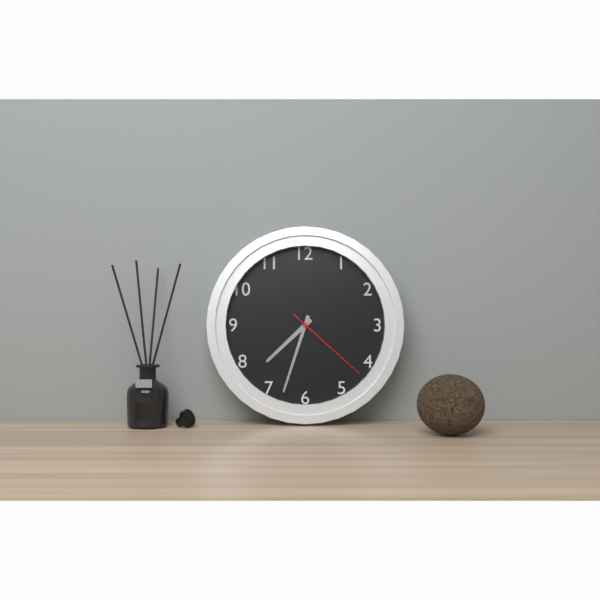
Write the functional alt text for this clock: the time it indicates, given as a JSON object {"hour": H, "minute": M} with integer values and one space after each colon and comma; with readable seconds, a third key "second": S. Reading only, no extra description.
{"hour": 7, "minute": 33, "second": 22}
